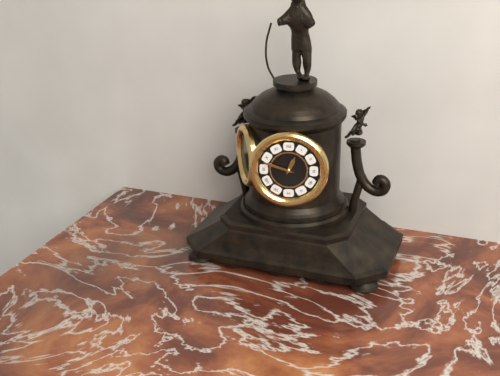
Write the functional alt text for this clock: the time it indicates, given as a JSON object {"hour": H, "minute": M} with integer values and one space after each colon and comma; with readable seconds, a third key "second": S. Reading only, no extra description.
{"hour": 12, "minute": 48}
